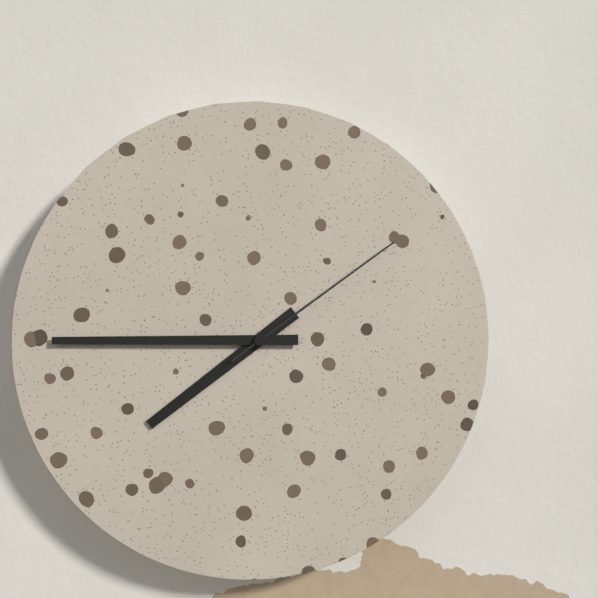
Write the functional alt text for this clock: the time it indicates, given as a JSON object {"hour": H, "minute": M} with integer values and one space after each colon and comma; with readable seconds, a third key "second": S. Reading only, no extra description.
{"hour": 7, "minute": 45, "second": 9}
